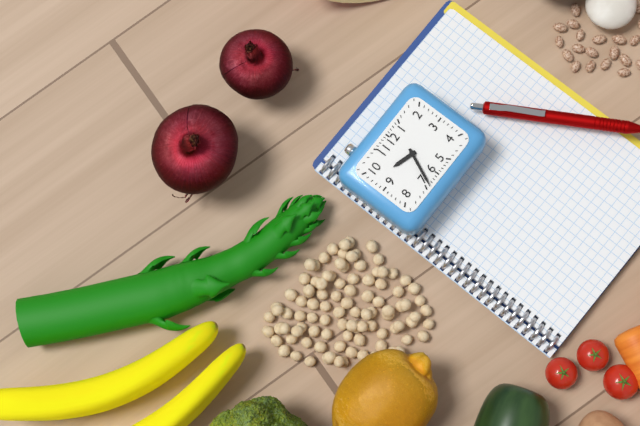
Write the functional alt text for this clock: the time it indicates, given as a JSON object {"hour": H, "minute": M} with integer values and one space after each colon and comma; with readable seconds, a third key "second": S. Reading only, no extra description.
{"hour": 9, "minute": 34}
